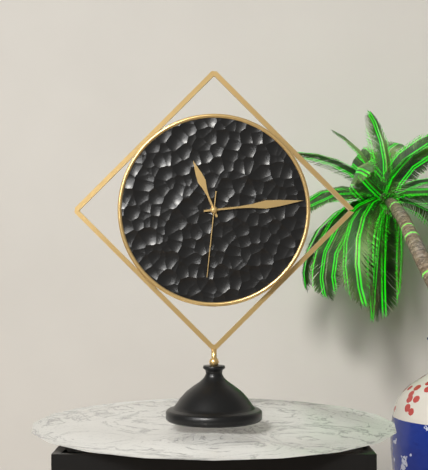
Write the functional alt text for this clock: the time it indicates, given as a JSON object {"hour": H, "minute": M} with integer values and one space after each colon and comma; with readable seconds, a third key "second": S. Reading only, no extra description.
{"hour": 11, "minute": 14, "second": 31}
